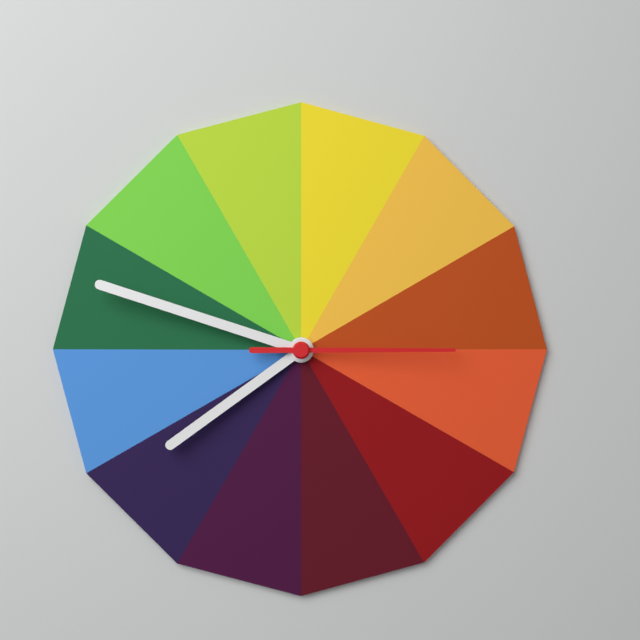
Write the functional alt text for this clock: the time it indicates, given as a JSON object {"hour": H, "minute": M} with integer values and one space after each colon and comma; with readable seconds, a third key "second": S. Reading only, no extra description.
{"hour": 7, "minute": 48, "second": 15}
